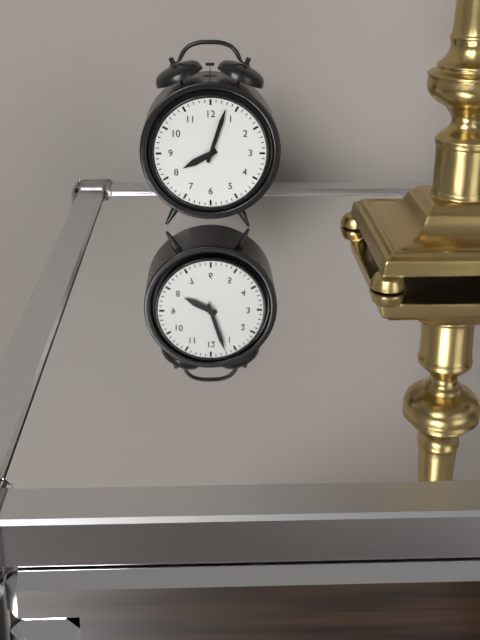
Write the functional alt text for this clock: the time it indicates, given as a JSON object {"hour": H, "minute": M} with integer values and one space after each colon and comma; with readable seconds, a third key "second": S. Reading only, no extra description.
{"hour": 8, "minute": 3}
